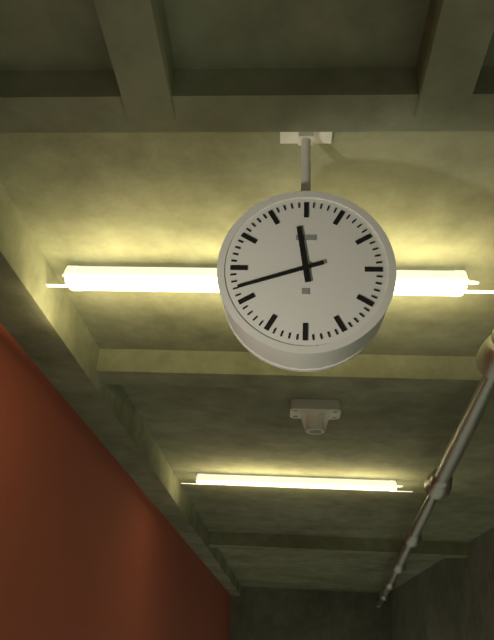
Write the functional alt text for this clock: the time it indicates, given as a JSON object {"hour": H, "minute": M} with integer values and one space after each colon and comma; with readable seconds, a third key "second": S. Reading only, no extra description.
{"hour": 11, "minute": 42}
